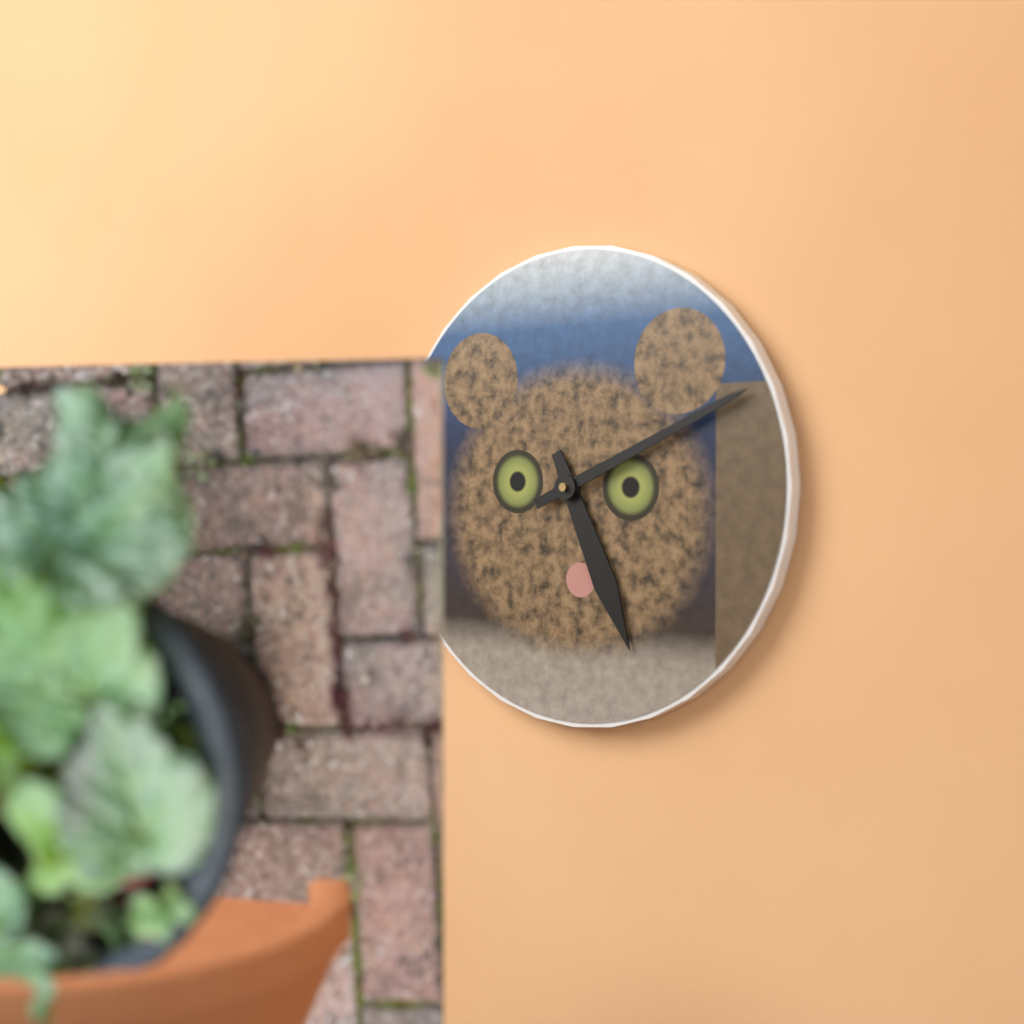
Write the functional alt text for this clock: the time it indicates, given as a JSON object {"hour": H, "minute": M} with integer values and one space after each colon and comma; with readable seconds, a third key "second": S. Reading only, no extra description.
{"hour": 5, "minute": 11}
